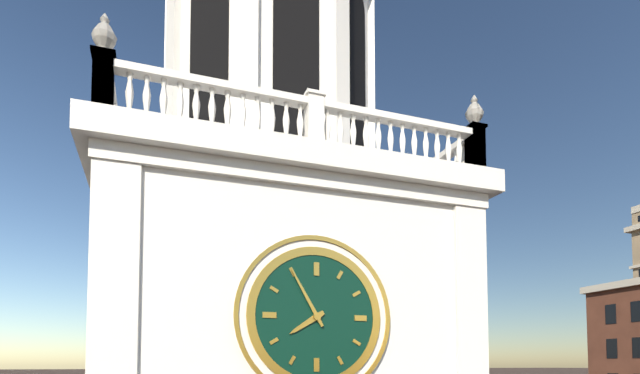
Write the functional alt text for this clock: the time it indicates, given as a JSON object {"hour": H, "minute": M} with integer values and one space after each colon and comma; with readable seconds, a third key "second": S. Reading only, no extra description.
{"hour": 7, "minute": 55}
